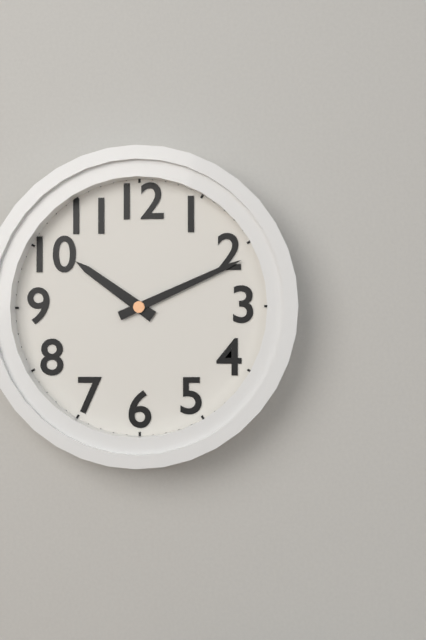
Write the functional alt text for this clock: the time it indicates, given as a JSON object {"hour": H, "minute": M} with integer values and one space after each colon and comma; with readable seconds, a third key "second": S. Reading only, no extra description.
{"hour": 10, "minute": 11}
